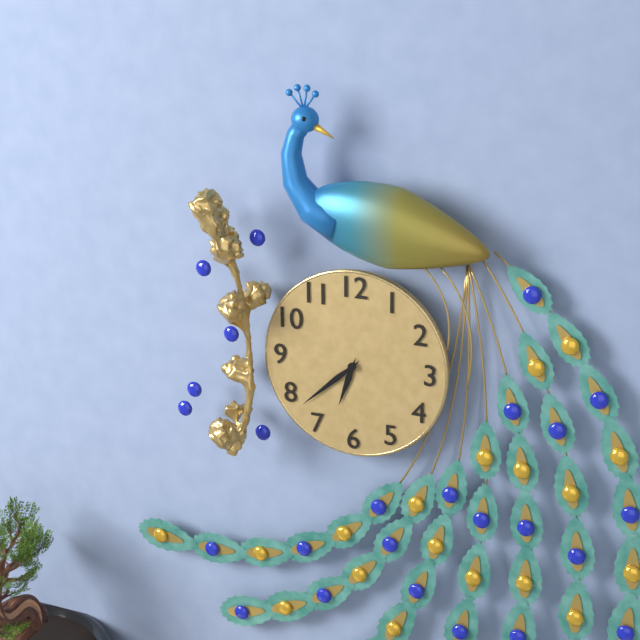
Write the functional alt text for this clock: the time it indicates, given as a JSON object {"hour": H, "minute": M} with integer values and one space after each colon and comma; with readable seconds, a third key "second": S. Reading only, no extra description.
{"hour": 6, "minute": 38}
